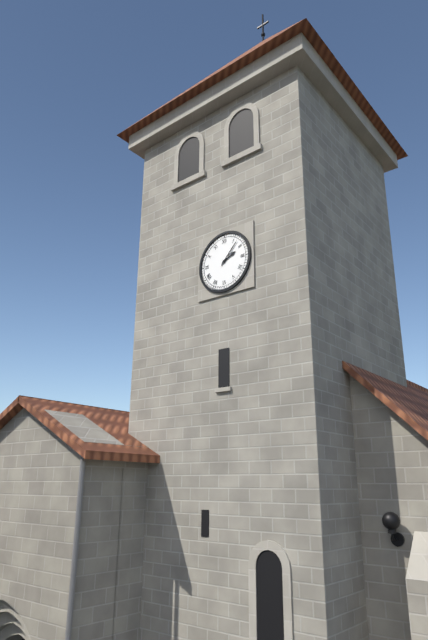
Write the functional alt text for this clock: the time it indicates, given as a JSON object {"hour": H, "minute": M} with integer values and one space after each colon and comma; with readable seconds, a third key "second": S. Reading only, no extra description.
{"hour": 2, "minute": 7}
